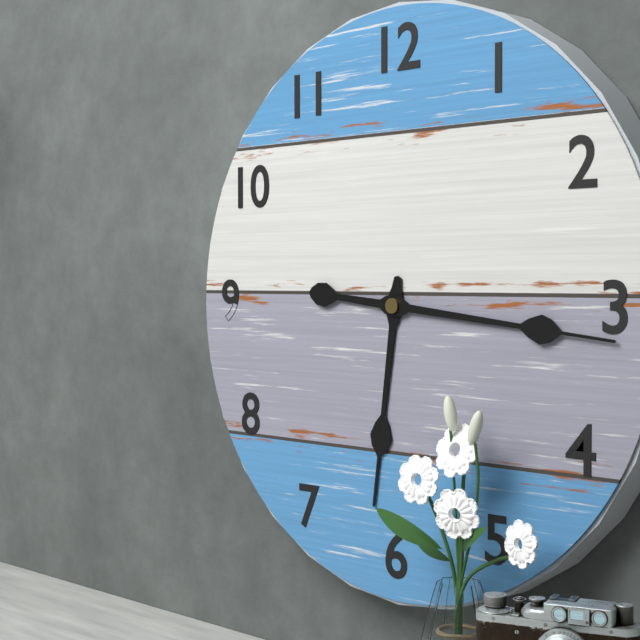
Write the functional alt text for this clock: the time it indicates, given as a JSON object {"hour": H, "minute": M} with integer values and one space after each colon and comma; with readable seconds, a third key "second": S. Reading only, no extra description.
{"hour": 6, "minute": 16}
